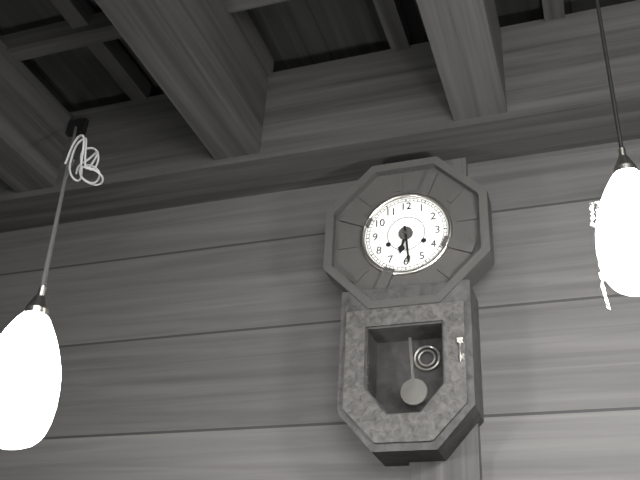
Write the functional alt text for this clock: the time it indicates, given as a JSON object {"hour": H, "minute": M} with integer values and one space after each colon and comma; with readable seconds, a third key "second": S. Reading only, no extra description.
{"hour": 6, "minute": 29}
